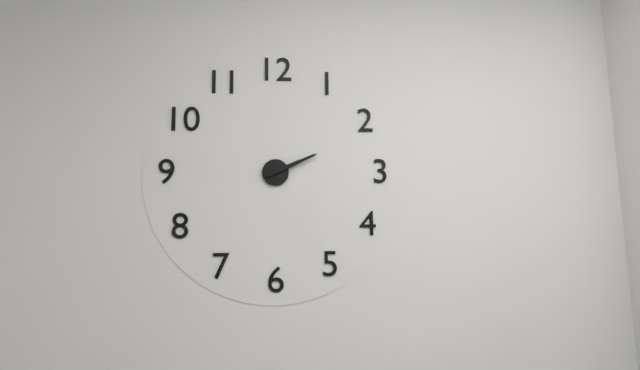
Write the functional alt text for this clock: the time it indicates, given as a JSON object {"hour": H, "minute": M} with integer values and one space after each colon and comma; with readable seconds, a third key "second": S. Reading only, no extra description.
{"hour": 2, "minute": 11}
